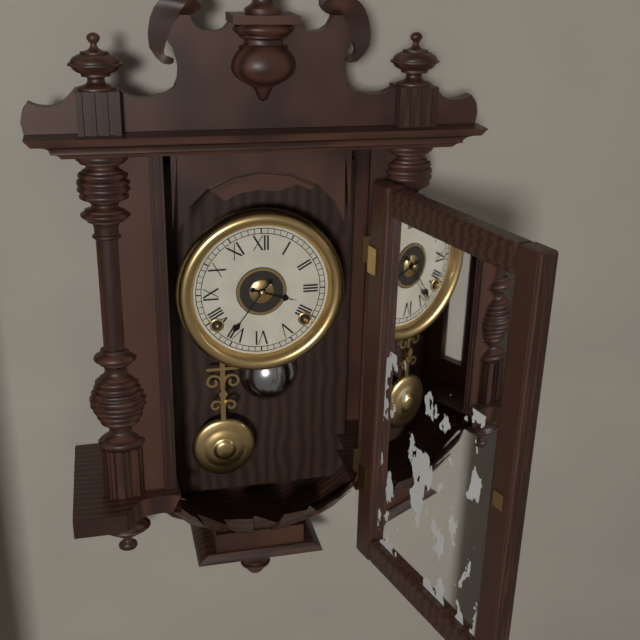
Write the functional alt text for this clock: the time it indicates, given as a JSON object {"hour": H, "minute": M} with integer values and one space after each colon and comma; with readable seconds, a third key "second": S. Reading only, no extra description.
{"hour": 3, "minute": 36}
